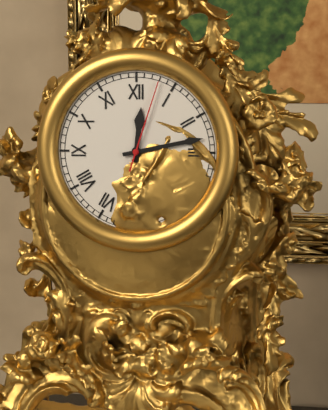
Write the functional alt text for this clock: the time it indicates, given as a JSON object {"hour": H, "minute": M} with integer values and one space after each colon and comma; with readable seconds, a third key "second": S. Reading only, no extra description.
{"hour": 12, "minute": 13, "second": 3}
